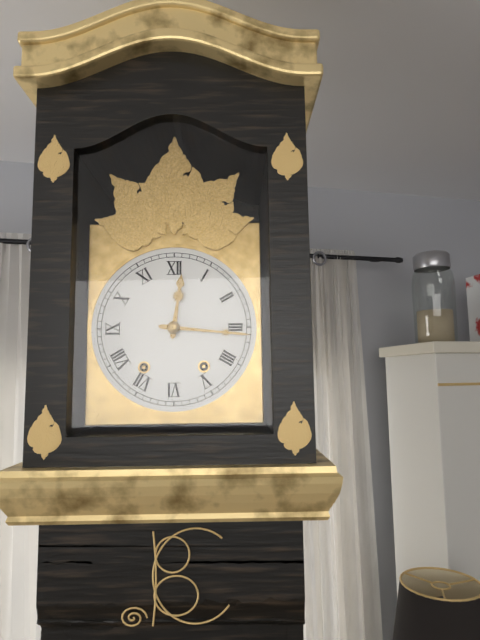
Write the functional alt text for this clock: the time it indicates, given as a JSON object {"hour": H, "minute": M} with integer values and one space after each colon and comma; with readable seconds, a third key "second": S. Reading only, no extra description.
{"hour": 12, "minute": 16}
